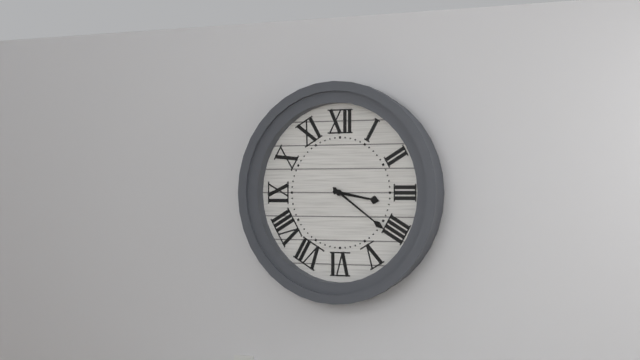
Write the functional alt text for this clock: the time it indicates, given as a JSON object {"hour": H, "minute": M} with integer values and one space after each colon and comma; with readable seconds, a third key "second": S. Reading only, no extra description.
{"hour": 3, "minute": 21}
